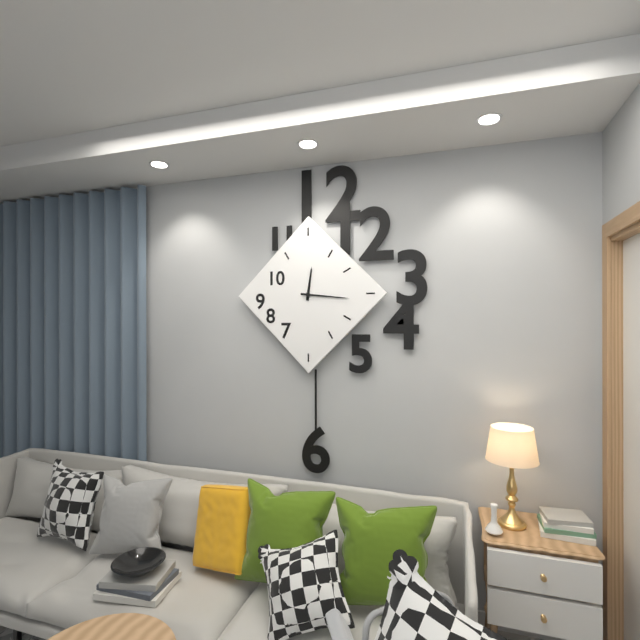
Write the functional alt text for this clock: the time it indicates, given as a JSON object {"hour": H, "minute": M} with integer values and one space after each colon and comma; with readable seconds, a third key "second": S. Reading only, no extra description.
{"hour": 12, "minute": 16}
